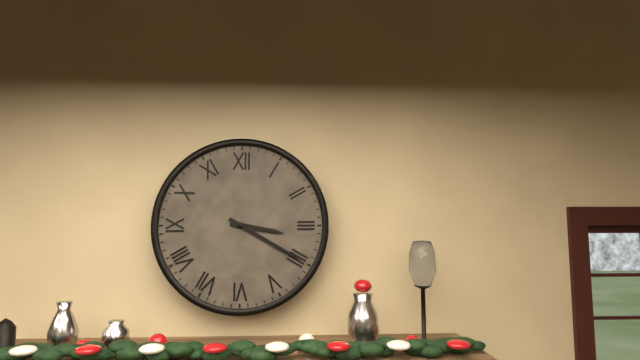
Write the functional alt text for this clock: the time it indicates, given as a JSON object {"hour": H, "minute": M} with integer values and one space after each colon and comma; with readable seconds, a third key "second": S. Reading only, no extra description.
{"hour": 3, "minute": 20}
